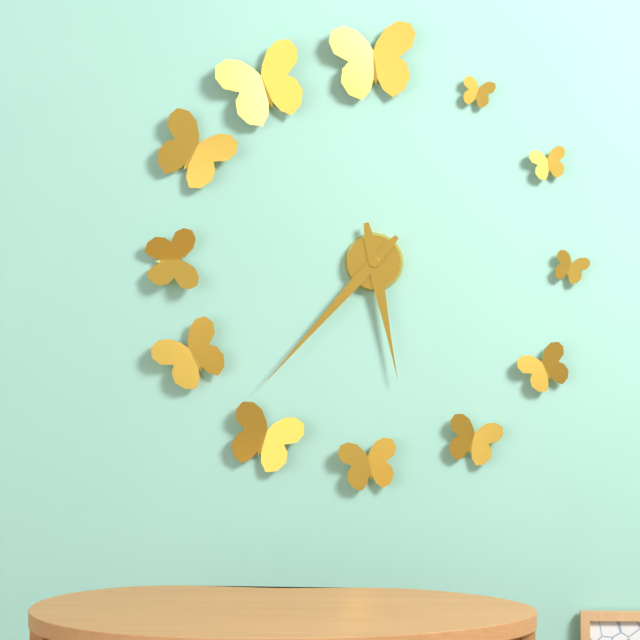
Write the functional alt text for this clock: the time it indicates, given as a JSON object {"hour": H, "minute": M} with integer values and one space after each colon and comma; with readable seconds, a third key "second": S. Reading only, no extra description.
{"hour": 5, "minute": 37}
